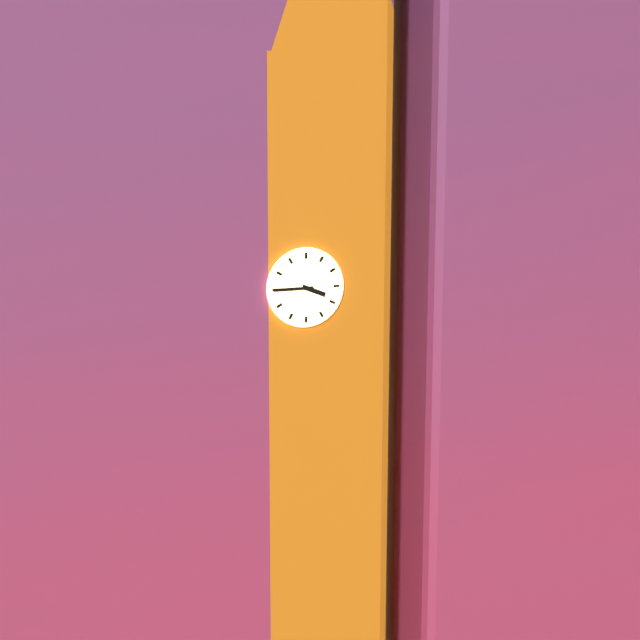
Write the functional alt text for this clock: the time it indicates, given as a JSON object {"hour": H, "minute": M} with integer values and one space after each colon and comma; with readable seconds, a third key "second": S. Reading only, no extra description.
{"hour": 3, "minute": 45}
